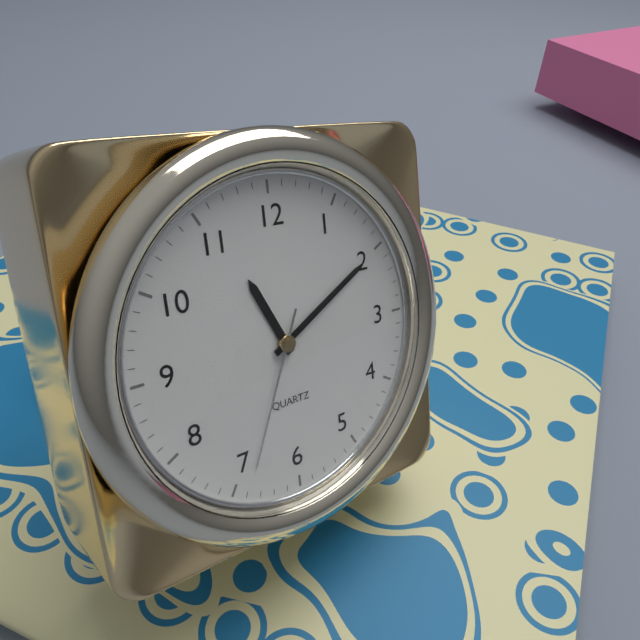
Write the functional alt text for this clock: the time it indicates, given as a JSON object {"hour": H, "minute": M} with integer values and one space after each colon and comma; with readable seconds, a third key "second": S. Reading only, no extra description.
{"hour": 11, "minute": 10, "second": 34}
